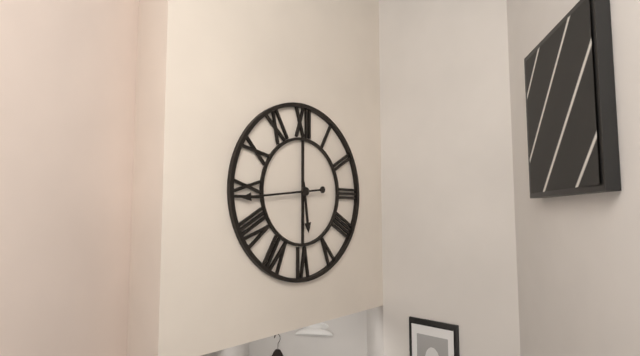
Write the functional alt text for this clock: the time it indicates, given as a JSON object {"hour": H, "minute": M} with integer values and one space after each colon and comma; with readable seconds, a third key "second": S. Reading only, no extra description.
{"hour": 5, "minute": 44}
